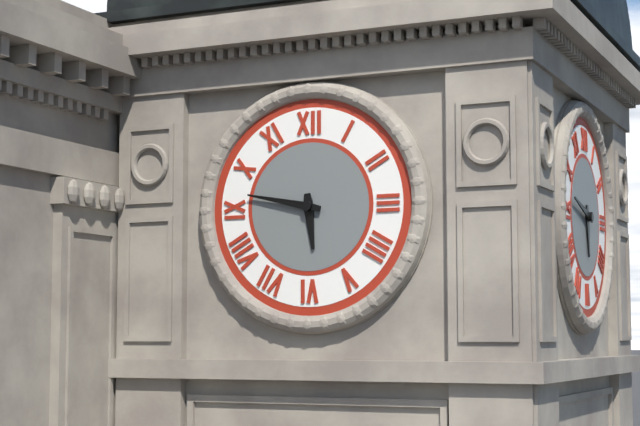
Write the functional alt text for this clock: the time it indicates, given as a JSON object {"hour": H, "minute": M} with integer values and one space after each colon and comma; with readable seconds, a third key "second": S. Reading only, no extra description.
{"hour": 5, "minute": 47}
